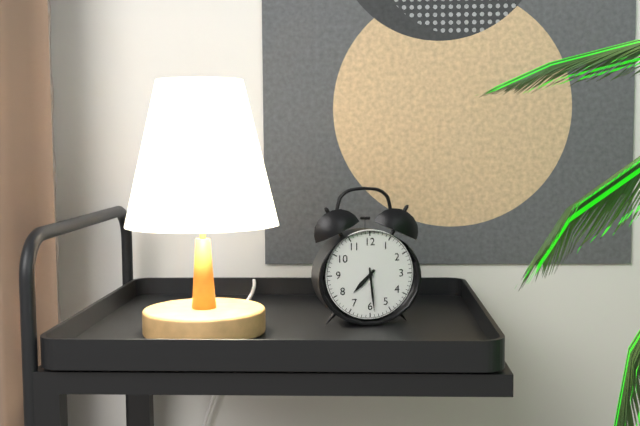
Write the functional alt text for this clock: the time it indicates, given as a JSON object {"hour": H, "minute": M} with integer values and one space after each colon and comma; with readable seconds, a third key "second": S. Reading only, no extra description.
{"hour": 7, "minute": 29}
